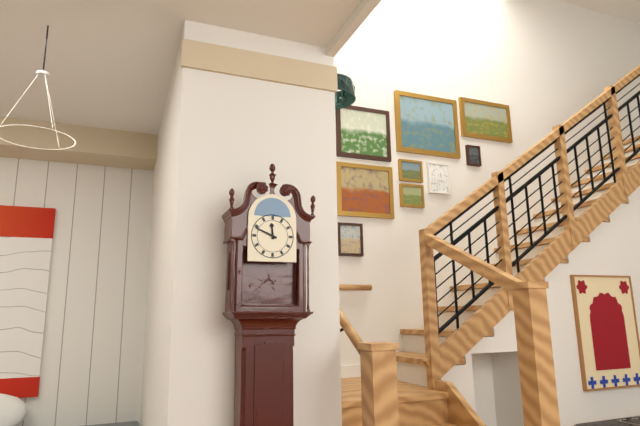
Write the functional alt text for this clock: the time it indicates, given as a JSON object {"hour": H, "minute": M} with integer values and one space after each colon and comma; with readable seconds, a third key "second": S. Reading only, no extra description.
{"hour": 11, "minute": 49}
